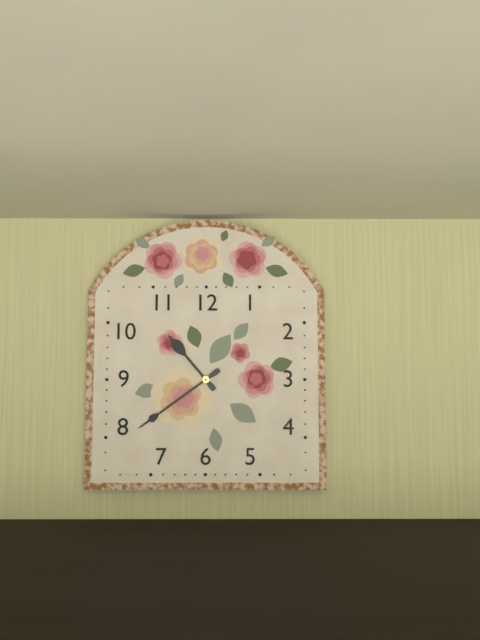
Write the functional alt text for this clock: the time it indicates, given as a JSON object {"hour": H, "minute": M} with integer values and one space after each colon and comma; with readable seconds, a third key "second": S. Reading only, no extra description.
{"hour": 10, "minute": 39}
